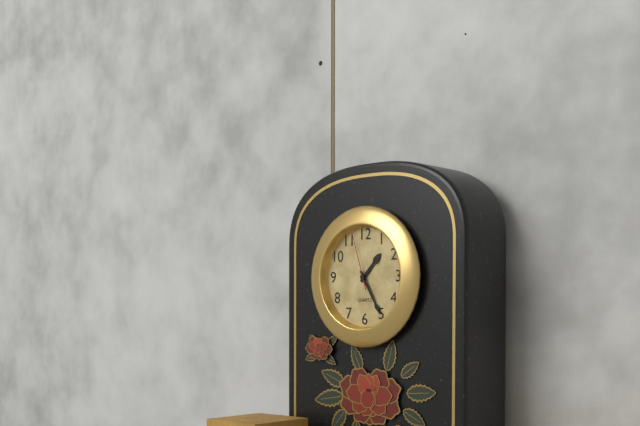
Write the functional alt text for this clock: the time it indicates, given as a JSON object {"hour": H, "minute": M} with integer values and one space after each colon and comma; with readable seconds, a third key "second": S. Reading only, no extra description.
{"hour": 1, "minute": 25, "second": 57}
